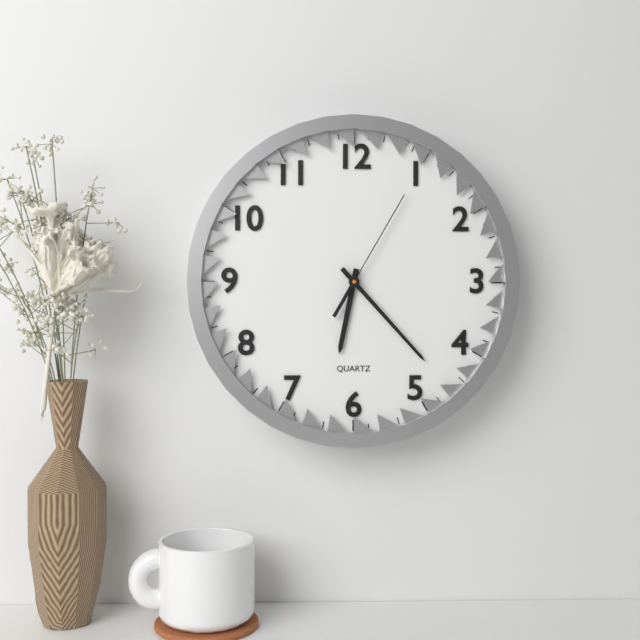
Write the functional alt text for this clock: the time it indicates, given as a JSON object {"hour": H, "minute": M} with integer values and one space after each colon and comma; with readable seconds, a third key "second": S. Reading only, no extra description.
{"hour": 6, "minute": 23, "second": 5}
